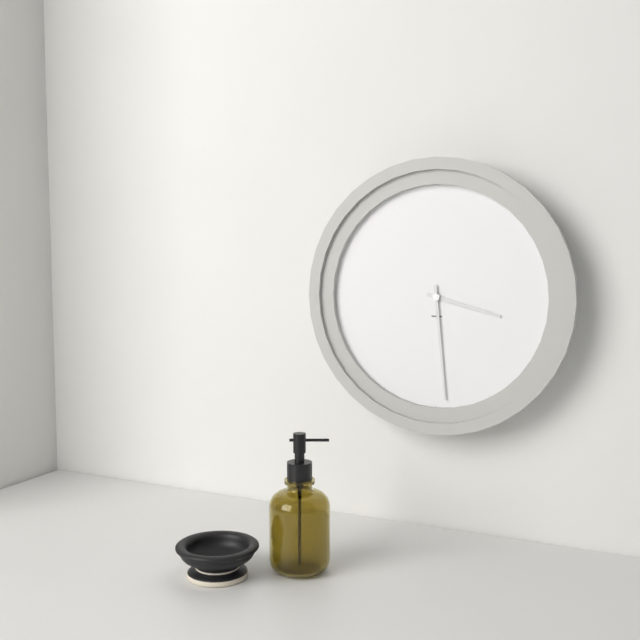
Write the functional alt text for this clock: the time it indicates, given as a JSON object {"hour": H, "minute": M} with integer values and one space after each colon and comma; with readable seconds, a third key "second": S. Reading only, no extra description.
{"hour": 3, "minute": 29}
